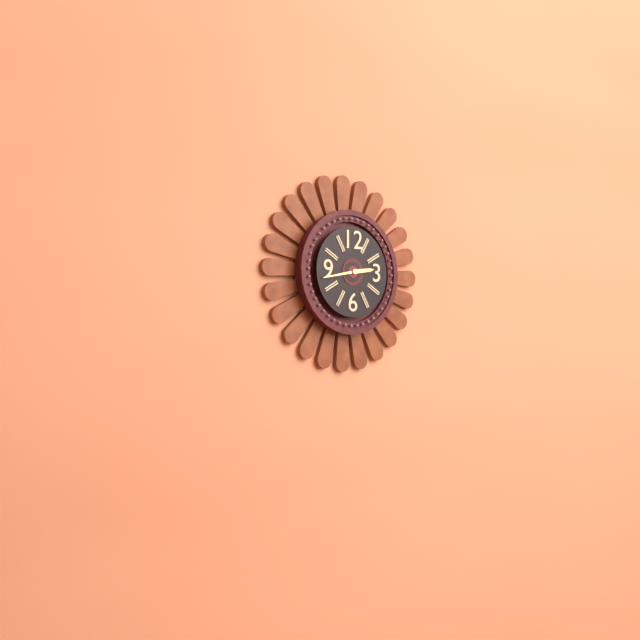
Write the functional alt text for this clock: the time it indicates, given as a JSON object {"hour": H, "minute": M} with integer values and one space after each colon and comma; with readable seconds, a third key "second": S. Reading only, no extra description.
{"hour": 2, "minute": 43}
